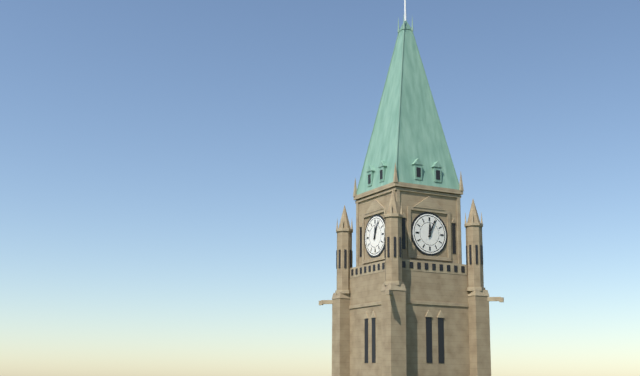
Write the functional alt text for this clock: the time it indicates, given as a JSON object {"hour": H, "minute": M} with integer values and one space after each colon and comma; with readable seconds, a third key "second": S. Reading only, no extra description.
{"hour": 12, "minute": 4}
